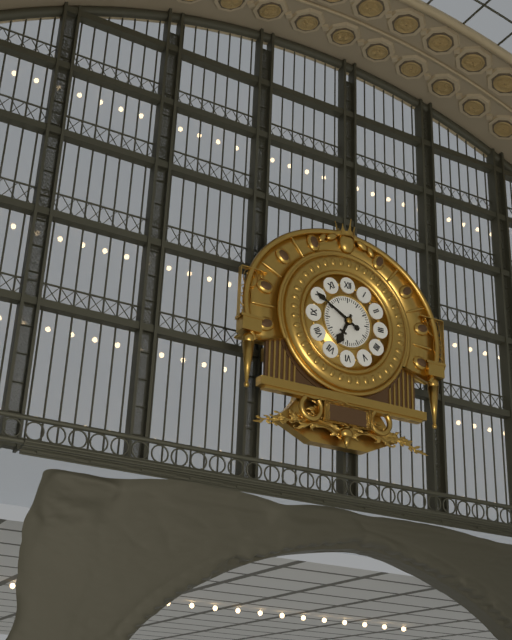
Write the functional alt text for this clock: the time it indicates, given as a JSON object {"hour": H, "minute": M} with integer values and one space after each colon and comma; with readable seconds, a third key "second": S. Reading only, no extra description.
{"hour": 6, "minute": 50}
